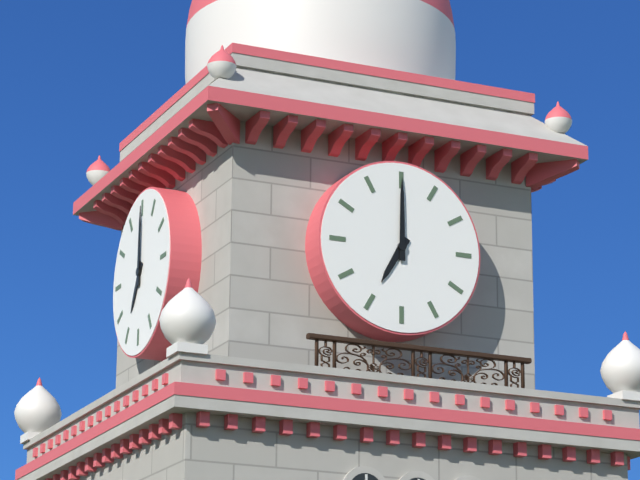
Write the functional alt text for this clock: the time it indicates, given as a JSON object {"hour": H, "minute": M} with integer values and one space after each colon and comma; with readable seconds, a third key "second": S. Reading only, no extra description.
{"hour": 7, "minute": 0}
